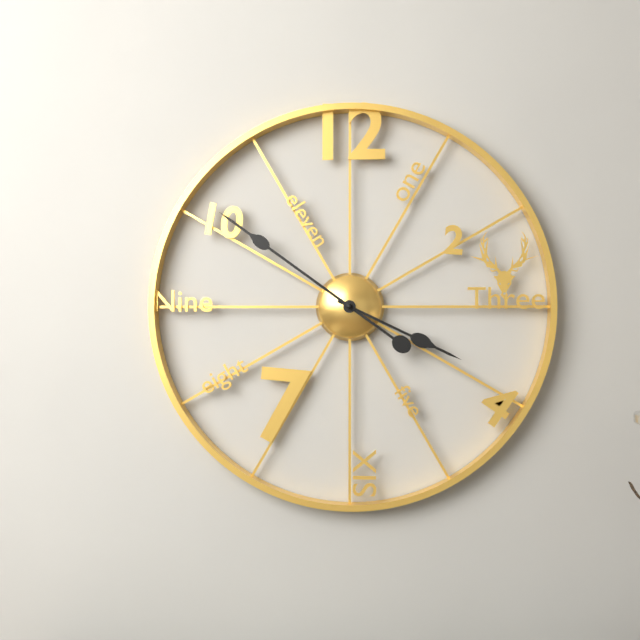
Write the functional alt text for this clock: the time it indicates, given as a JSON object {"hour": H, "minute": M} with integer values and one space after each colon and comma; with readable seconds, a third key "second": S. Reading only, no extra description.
{"hour": 3, "minute": 51}
